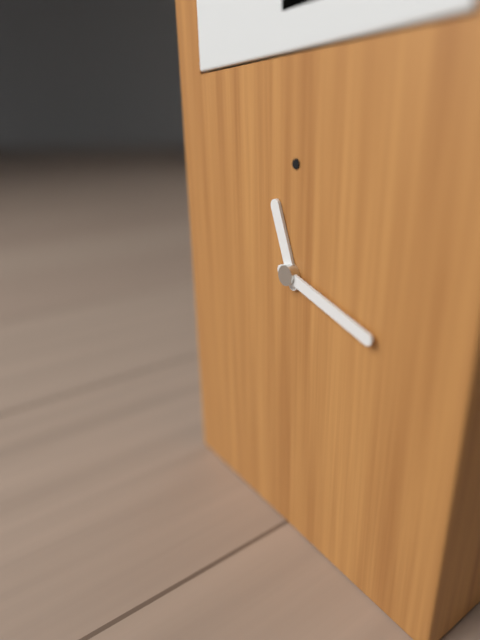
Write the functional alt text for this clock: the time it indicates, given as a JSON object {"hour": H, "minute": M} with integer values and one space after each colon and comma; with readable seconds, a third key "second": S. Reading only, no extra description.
{"hour": 11, "minute": 18}
